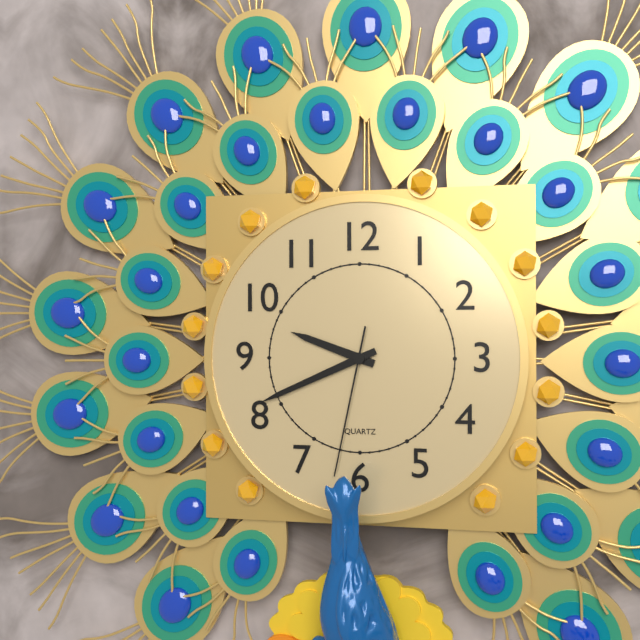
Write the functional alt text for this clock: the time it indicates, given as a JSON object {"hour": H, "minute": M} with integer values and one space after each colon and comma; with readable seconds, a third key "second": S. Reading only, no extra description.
{"hour": 9, "minute": 41, "second": 32}
